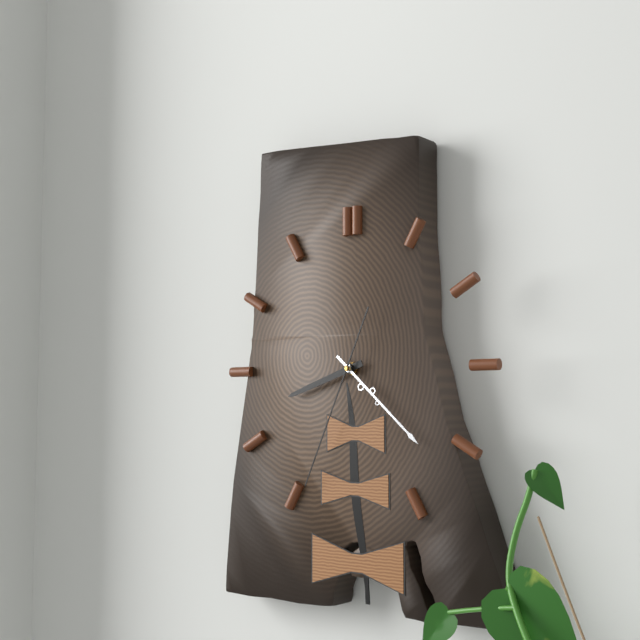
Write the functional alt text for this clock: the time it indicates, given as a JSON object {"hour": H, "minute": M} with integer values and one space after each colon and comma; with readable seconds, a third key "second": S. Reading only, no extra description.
{"hour": 8, "minute": 22, "second": 34}
